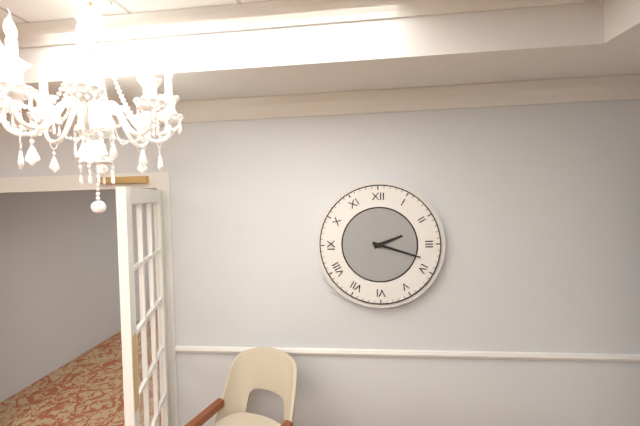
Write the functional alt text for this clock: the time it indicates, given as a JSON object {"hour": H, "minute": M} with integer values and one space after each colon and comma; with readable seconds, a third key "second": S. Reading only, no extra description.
{"hour": 2, "minute": 18}
